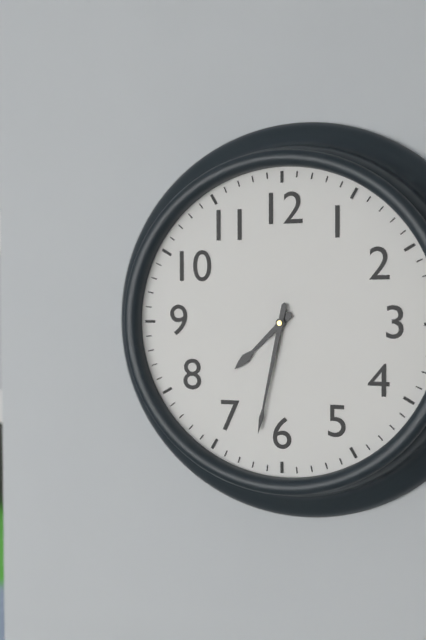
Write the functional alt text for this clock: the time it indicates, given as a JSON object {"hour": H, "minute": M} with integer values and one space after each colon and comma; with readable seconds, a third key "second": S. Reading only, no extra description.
{"hour": 7, "minute": 32}
